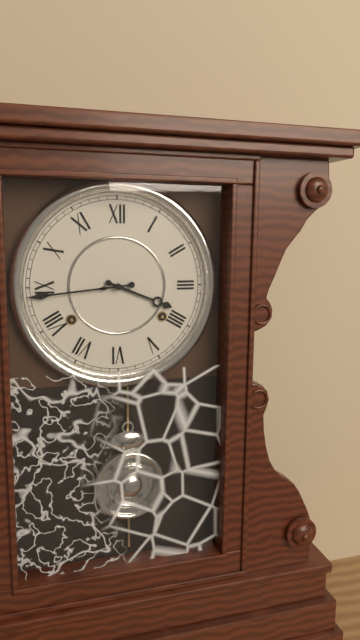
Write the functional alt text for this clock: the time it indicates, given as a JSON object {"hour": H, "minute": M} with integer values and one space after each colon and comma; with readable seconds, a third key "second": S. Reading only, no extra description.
{"hour": 3, "minute": 44}
